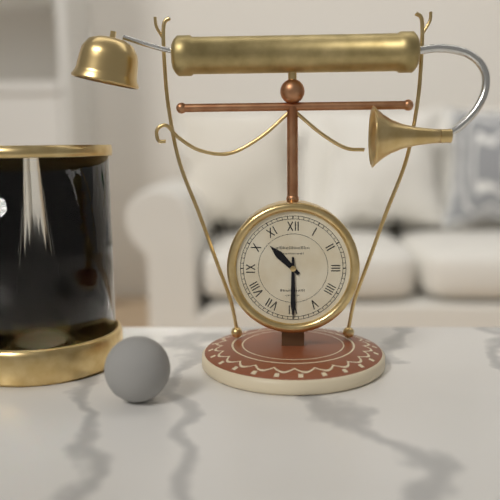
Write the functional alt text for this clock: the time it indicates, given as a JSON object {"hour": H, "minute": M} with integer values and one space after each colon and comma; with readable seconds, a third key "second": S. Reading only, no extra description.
{"hour": 10, "minute": 30}
